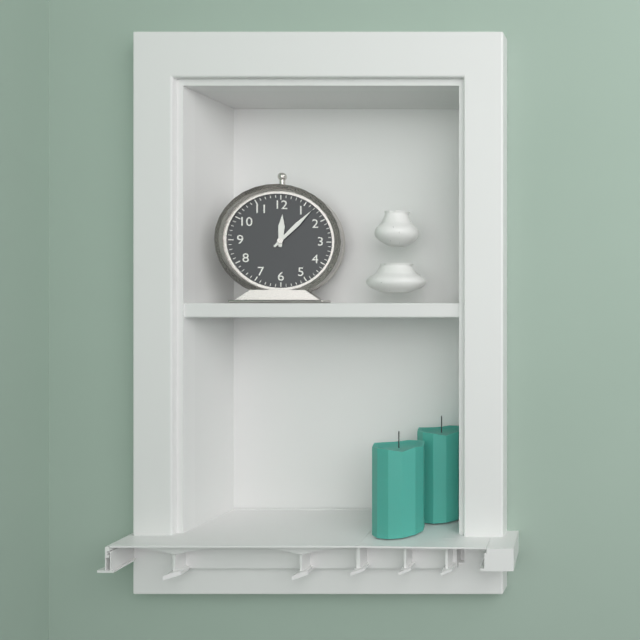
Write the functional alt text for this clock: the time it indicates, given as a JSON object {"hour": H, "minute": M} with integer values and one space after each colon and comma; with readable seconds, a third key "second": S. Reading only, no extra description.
{"hour": 12, "minute": 7}
